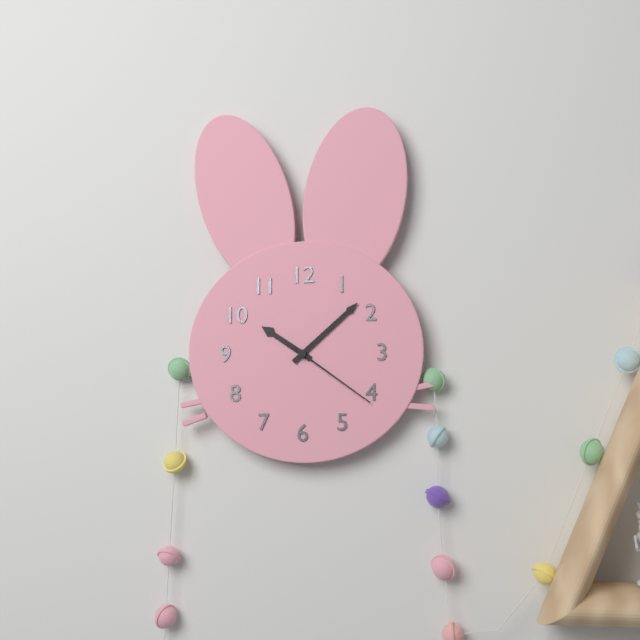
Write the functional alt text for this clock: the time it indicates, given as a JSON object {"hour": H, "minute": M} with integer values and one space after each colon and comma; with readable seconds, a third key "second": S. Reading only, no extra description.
{"hour": 10, "minute": 8, "second": 21}
